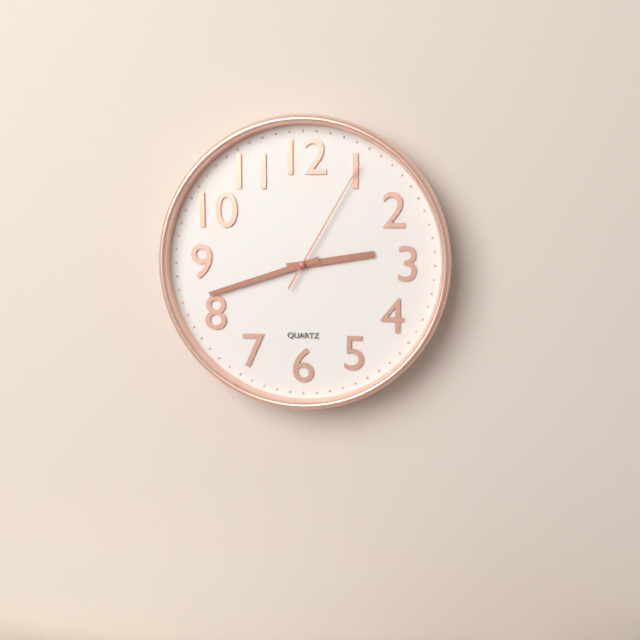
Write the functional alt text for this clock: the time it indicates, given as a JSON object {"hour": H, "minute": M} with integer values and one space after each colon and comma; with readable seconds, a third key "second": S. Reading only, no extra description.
{"hour": 2, "minute": 42, "second": 5}
